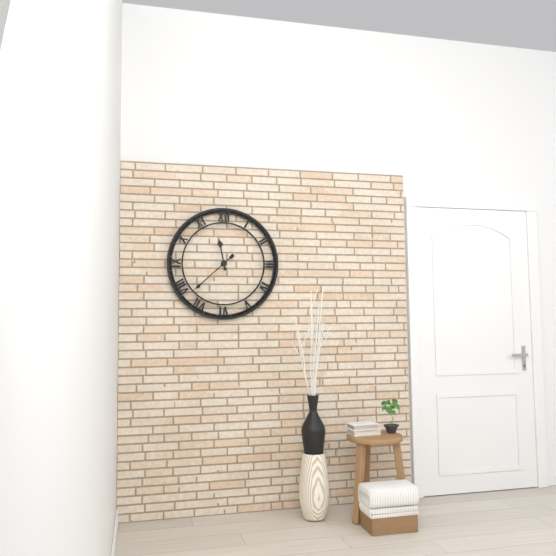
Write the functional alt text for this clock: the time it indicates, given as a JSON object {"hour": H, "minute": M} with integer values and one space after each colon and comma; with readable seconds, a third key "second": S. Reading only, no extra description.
{"hour": 11, "minute": 38}
